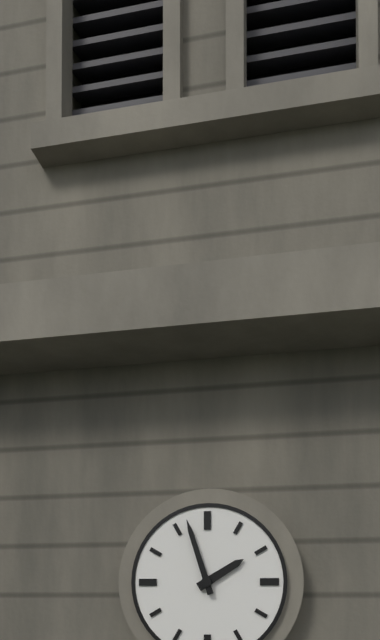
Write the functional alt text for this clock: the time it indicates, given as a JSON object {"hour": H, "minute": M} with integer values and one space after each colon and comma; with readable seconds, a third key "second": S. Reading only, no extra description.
{"hour": 1, "minute": 57}
